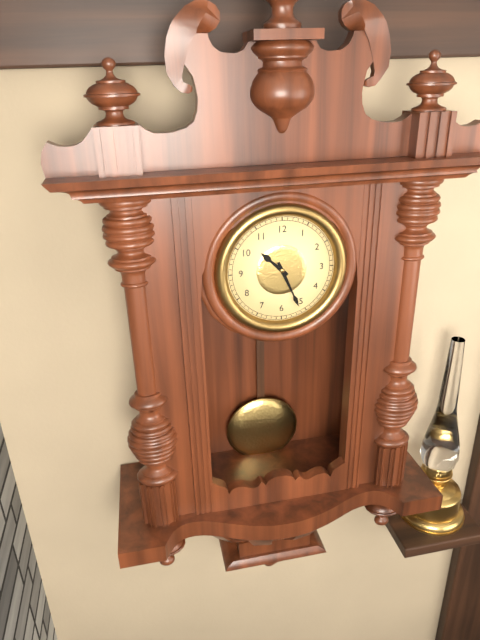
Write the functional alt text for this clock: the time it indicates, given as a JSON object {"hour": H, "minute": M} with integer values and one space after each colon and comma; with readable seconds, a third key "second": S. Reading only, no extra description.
{"hour": 10, "minute": 26}
